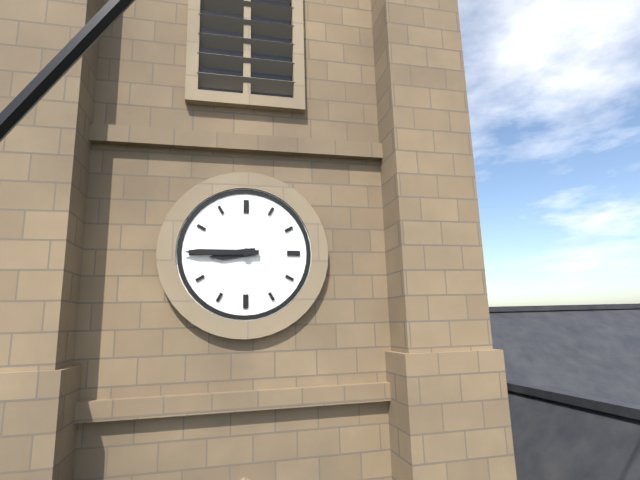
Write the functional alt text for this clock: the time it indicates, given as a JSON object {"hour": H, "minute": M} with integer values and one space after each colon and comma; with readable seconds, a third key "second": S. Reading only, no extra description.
{"hour": 8, "minute": 45}
